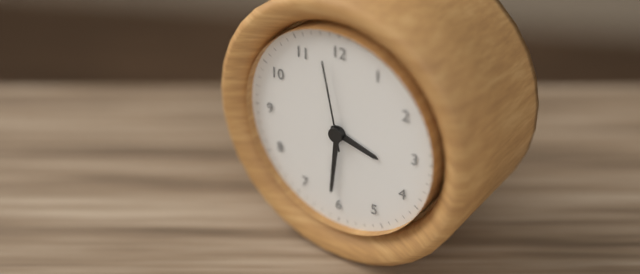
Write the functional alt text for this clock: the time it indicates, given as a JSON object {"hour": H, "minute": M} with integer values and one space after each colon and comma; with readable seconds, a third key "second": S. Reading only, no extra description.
{"hour": 3, "minute": 31, "second": 58}
